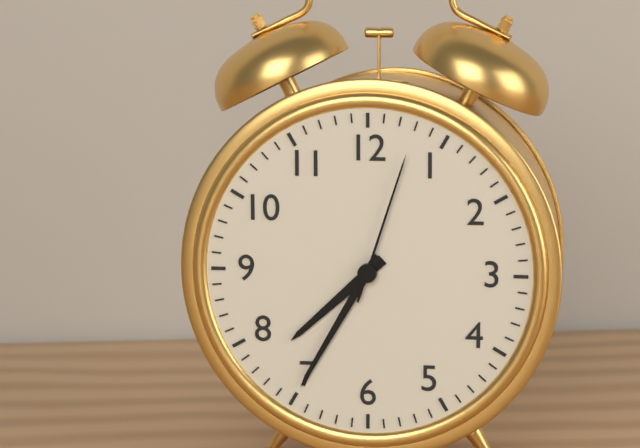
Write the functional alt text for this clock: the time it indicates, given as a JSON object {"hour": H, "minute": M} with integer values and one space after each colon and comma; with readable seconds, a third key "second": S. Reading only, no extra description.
{"hour": 7, "minute": 35, "second": 3}
